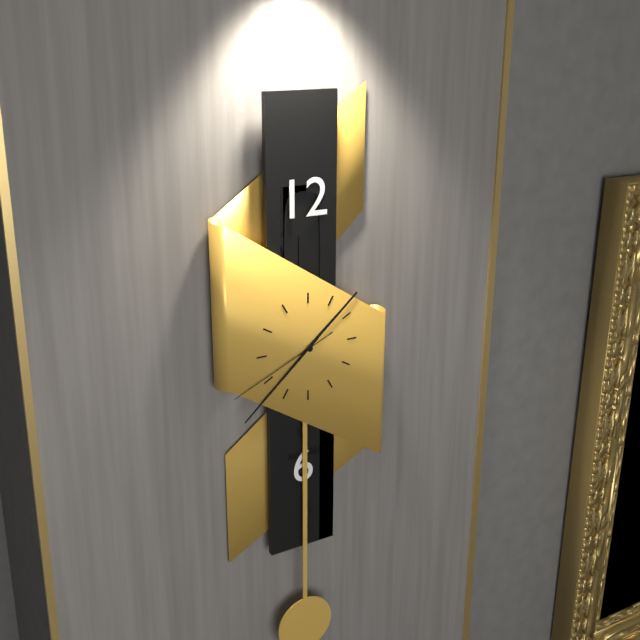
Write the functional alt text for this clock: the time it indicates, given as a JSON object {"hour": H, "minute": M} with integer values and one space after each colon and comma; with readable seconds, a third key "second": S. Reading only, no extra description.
{"hour": 1, "minute": 38, "second": 41}
